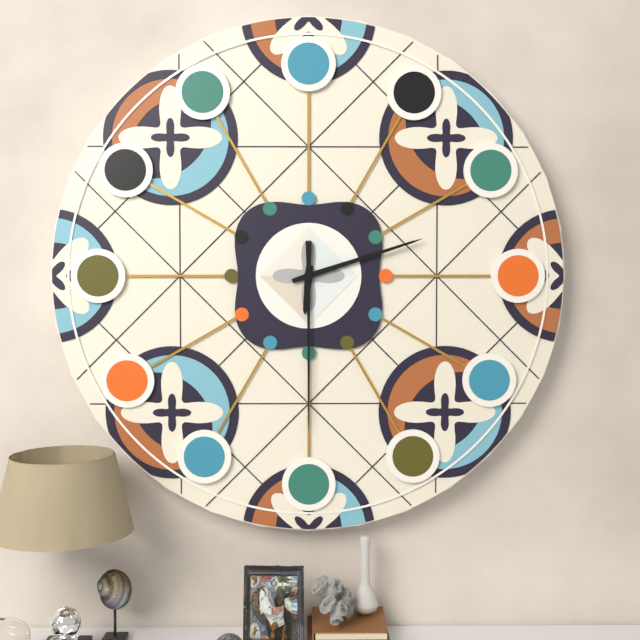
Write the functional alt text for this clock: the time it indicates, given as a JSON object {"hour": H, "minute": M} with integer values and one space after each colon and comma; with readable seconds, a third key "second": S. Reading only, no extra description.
{"hour": 6, "minute": 12, "second": 30}
